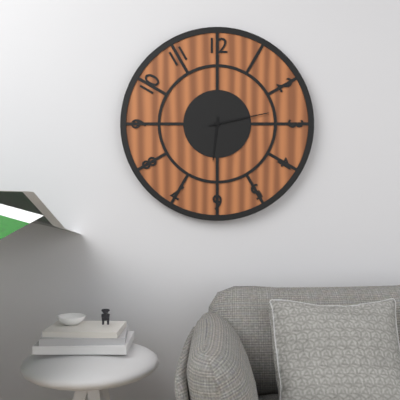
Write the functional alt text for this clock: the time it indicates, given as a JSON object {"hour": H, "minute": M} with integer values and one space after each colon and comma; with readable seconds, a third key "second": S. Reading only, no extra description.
{"hour": 6, "minute": 13}
